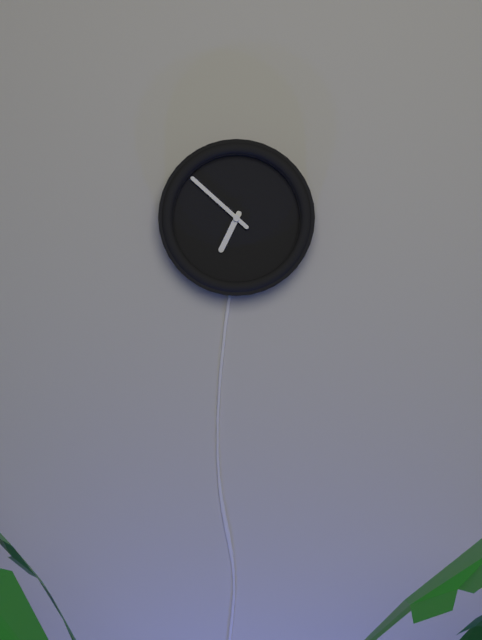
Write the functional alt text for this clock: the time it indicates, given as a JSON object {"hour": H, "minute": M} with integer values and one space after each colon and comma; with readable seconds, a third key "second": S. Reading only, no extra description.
{"hour": 6, "minute": 52}
